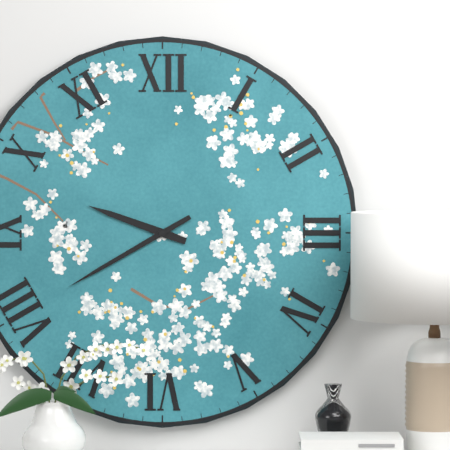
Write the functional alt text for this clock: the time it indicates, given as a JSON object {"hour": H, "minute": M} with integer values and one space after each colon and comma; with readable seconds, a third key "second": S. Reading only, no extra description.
{"hour": 9, "minute": 40}
